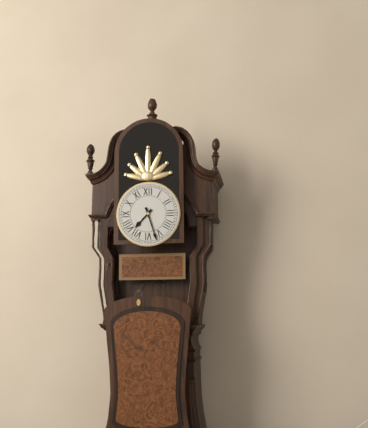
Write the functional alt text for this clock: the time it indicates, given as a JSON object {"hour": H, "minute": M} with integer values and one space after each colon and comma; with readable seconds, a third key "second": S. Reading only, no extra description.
{"hour": 7, "minute": 27}
